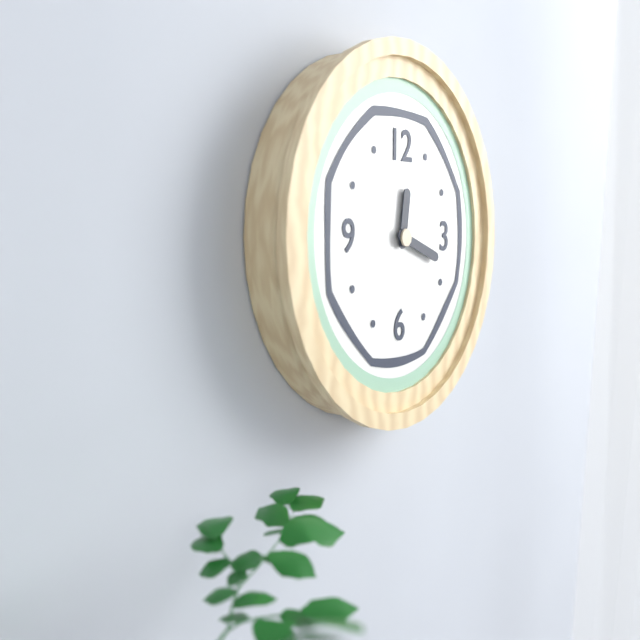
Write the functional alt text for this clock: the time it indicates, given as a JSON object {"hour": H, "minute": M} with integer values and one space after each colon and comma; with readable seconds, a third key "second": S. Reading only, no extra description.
{"hour": 12, "minute": 18}
